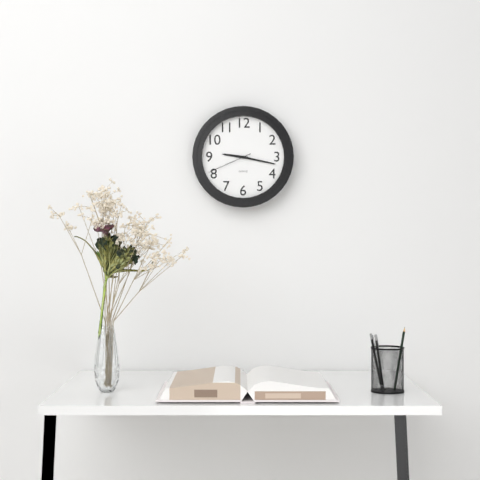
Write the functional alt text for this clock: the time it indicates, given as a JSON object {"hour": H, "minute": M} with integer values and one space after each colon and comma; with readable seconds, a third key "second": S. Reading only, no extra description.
{"hour": 9, "minute": 17}
